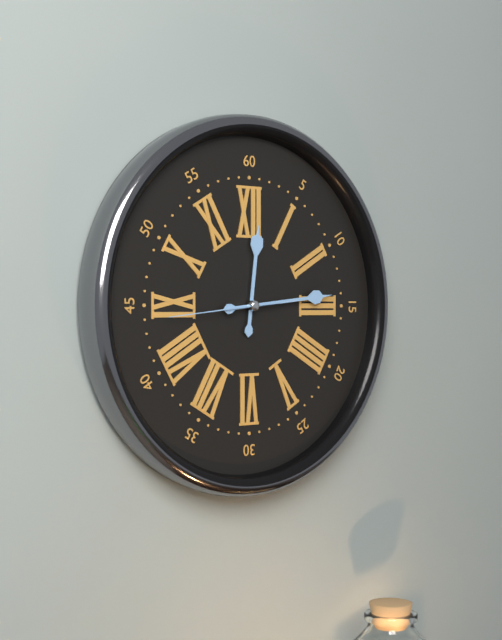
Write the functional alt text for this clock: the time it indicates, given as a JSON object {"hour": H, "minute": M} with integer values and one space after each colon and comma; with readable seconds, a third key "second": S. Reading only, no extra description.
{"hour": 12, "minute": 14, "second": 44}
